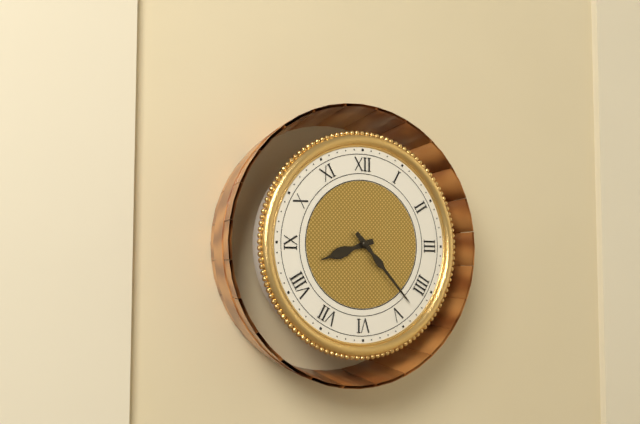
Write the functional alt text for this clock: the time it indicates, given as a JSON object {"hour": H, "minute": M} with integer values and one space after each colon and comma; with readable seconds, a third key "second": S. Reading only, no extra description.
{"hour": 8, "minute": 23}
